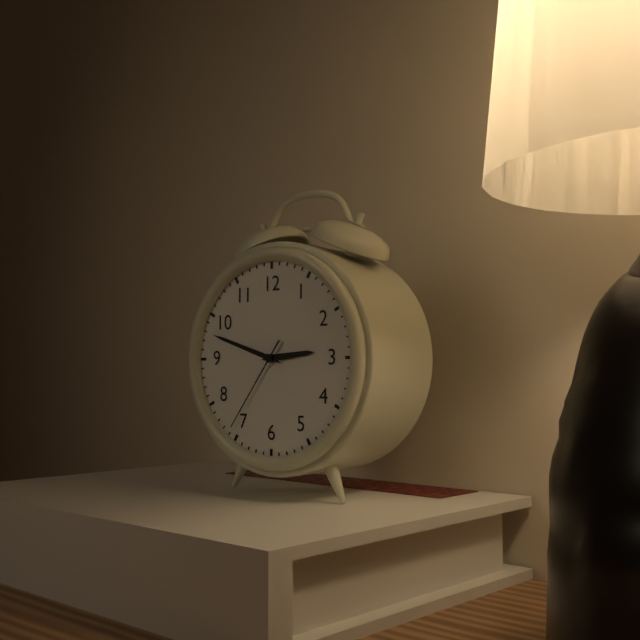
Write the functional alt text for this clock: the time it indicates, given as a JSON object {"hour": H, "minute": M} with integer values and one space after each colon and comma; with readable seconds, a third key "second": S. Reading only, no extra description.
{"hour": 2, "minute": 48, "second": 36}
